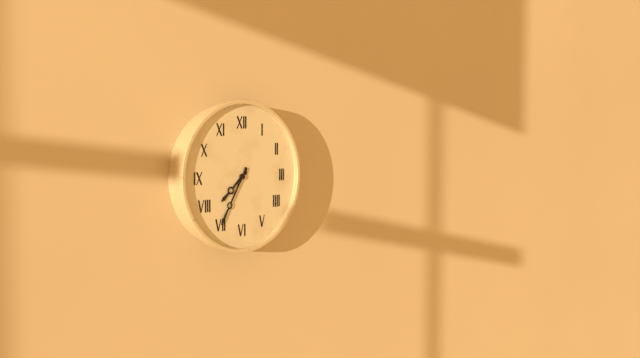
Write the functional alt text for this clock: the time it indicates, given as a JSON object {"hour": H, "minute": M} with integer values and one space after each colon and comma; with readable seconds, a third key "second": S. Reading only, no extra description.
{"hour": 7, "minute": 35}
